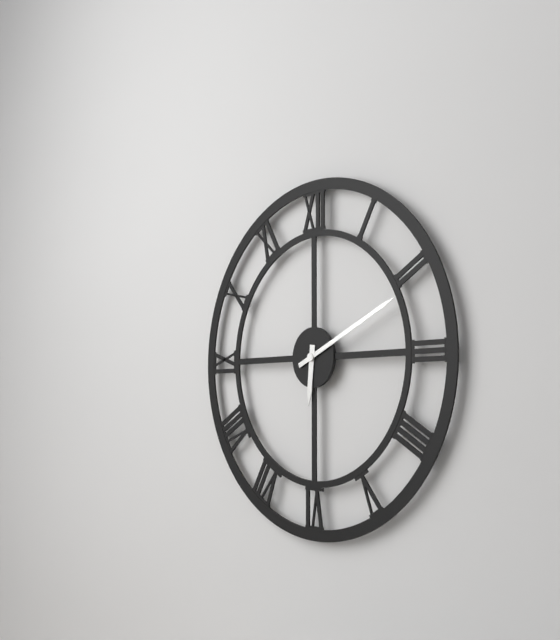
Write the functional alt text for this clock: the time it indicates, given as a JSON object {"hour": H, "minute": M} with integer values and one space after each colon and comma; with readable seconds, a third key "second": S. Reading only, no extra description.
{"hour": 6, "minute": 11}
